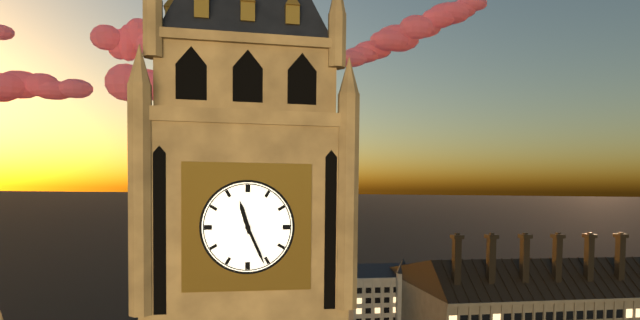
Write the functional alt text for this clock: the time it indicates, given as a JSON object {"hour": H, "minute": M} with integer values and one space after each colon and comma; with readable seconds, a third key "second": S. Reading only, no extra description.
{"hour": 11, "minute": 26}
